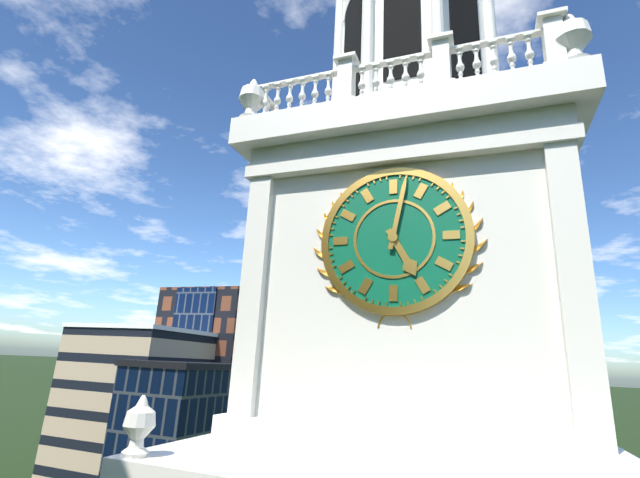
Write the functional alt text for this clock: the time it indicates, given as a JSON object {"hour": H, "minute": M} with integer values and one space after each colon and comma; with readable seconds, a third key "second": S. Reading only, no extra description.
{"hour": 5, "minute": 2}
